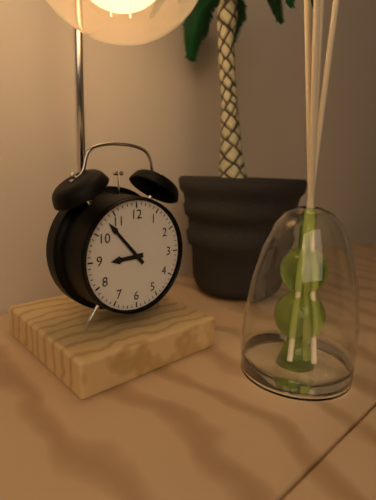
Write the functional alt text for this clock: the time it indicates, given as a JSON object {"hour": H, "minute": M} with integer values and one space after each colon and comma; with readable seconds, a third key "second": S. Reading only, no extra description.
{"hour": 8, "minute": 53}
